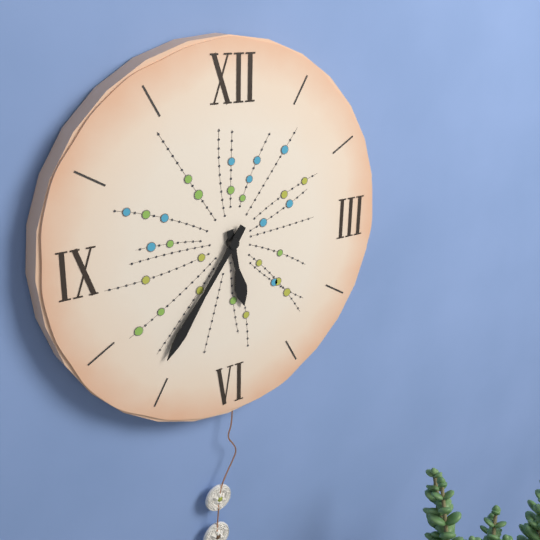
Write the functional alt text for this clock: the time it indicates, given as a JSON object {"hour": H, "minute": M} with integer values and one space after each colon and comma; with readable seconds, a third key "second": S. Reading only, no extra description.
{"hour": 5, "minute": 36}
